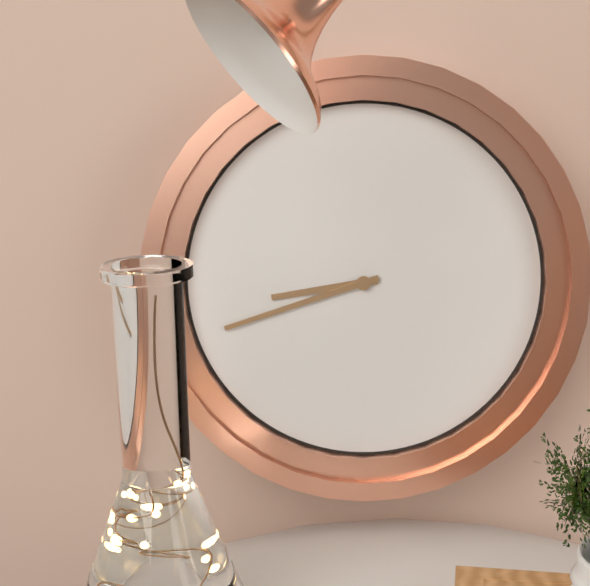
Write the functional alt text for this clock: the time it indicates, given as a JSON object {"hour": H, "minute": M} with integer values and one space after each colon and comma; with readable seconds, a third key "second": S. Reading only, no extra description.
{"hour": 8, "minute": 42}
